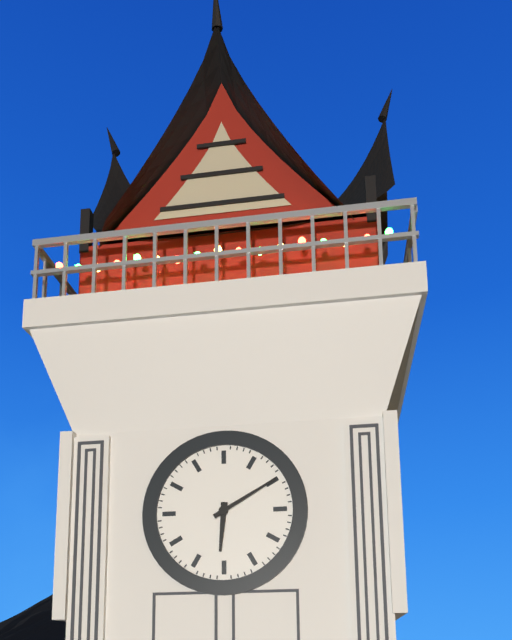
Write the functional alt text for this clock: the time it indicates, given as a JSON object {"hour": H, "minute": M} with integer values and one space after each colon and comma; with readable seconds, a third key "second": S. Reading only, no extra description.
{"hour": 6, "minute": 10}
